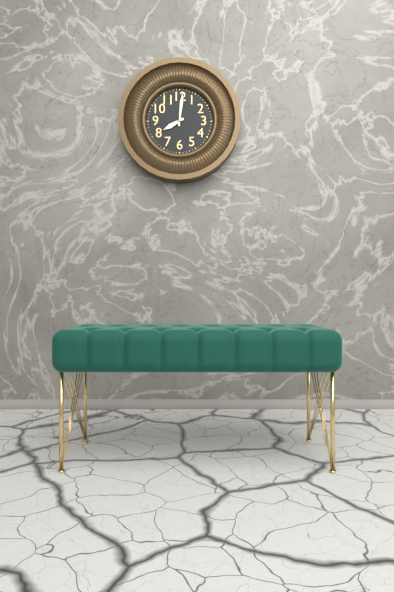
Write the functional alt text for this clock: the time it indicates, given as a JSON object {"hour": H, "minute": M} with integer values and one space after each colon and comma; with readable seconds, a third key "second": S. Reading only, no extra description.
{"hour": 8, "minute": 1}
